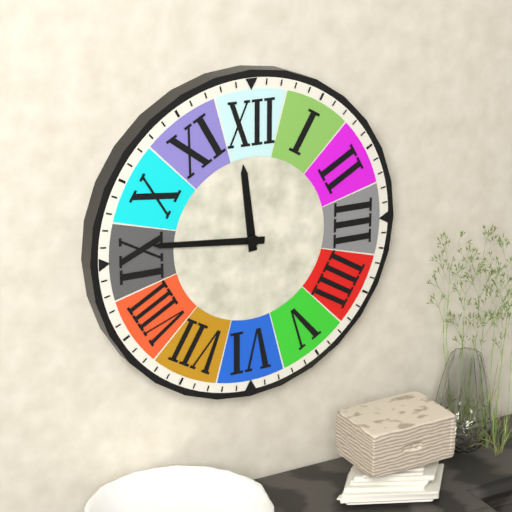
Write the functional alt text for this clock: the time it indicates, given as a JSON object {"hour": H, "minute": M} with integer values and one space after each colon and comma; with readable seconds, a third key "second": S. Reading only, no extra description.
{"hour": 11, "minute": 46}
